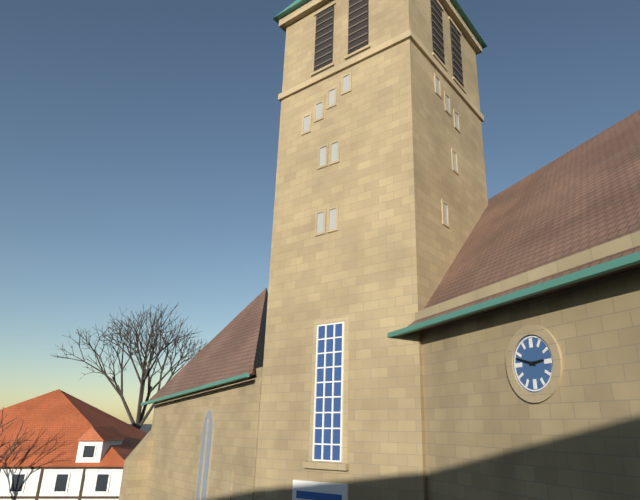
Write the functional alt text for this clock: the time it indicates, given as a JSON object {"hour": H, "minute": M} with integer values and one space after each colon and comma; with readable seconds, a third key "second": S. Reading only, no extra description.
{"hour": 2, "minute": 48}
